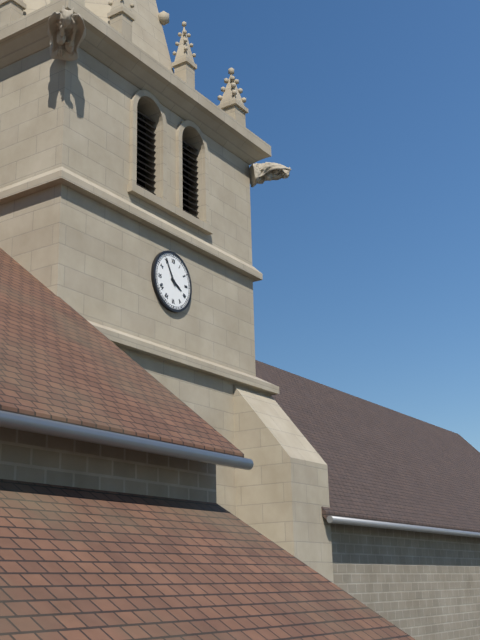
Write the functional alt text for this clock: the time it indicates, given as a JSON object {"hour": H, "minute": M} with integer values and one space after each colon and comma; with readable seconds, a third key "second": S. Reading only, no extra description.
{"hour": 3, "minute": 55}
